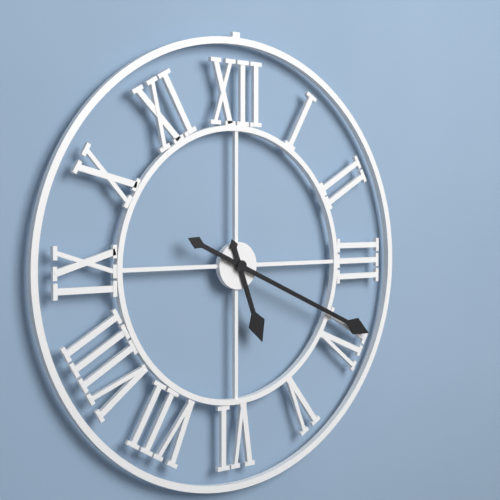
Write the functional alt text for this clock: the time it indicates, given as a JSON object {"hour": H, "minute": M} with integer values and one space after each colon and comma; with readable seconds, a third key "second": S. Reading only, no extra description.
{"hour": 5, "minute": 19}
